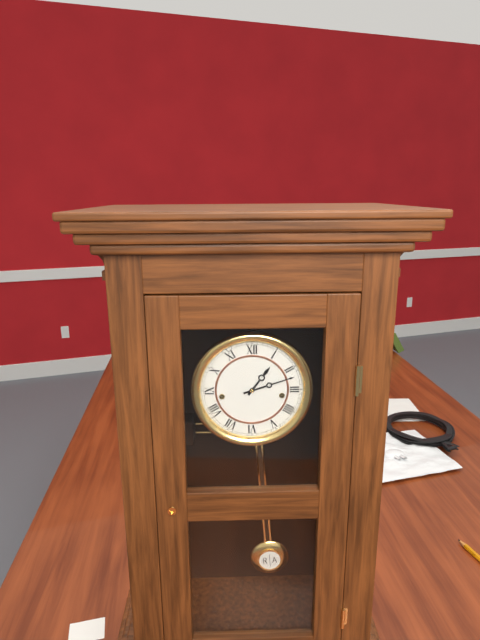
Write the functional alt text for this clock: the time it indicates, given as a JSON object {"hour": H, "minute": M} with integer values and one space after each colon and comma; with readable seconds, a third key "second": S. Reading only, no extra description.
{"hour": 1, "minute": 12}
